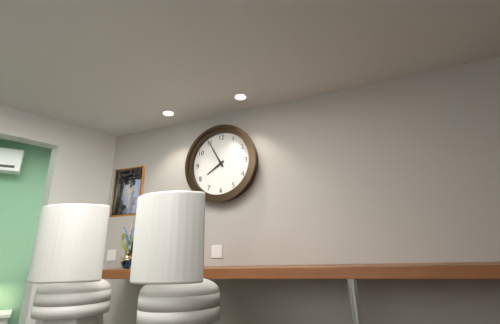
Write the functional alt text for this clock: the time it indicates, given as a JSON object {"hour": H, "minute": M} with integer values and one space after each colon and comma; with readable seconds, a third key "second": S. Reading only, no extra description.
{"hour": 7, "minute": 55}
